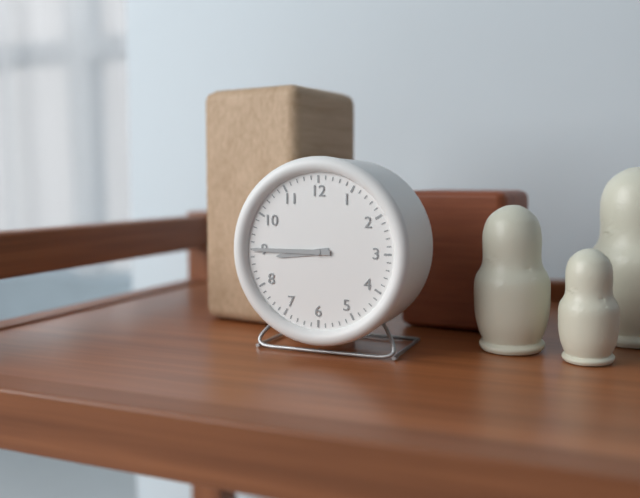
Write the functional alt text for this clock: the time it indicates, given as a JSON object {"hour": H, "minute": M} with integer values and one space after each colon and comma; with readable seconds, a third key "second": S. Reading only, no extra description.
{"hour": 8, "minute": 45}
